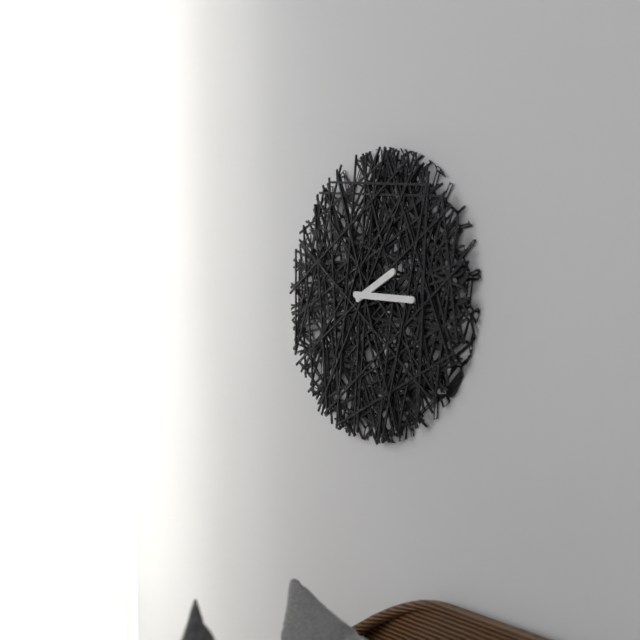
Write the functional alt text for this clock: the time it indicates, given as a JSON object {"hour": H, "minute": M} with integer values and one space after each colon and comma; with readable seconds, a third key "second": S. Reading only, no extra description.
{"hour": 2, "minute": 16}
